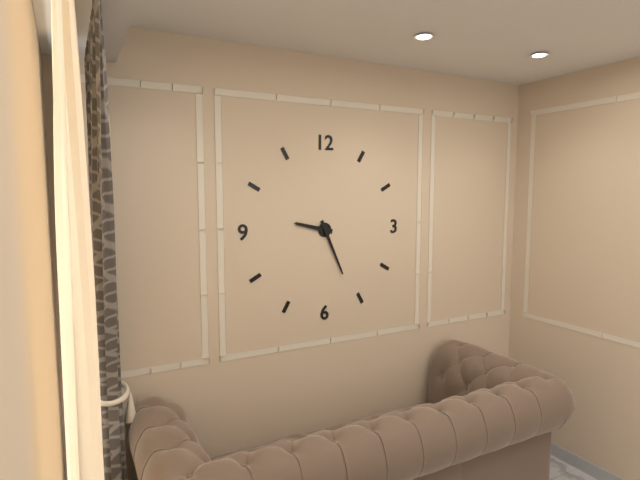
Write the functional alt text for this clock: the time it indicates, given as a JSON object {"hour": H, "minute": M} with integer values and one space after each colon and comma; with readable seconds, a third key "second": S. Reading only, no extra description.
{"hour": 9, "minute": 26}
